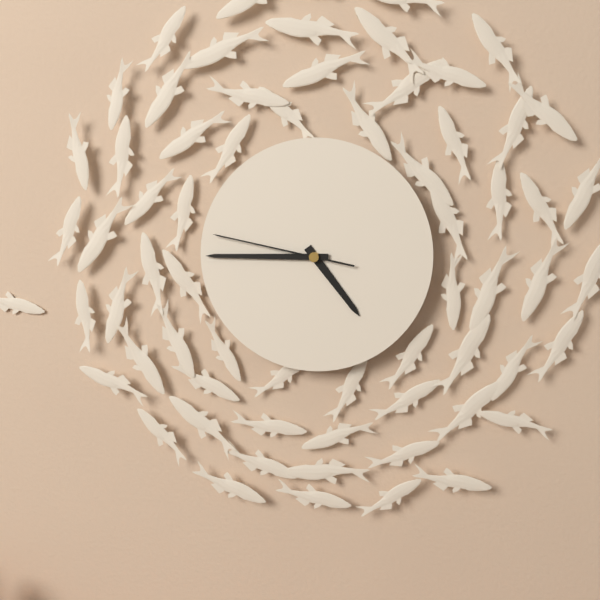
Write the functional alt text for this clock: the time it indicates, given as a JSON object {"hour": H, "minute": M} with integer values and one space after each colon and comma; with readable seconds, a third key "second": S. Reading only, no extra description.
{"hour": 4, "minute": 45, "second": 47}
